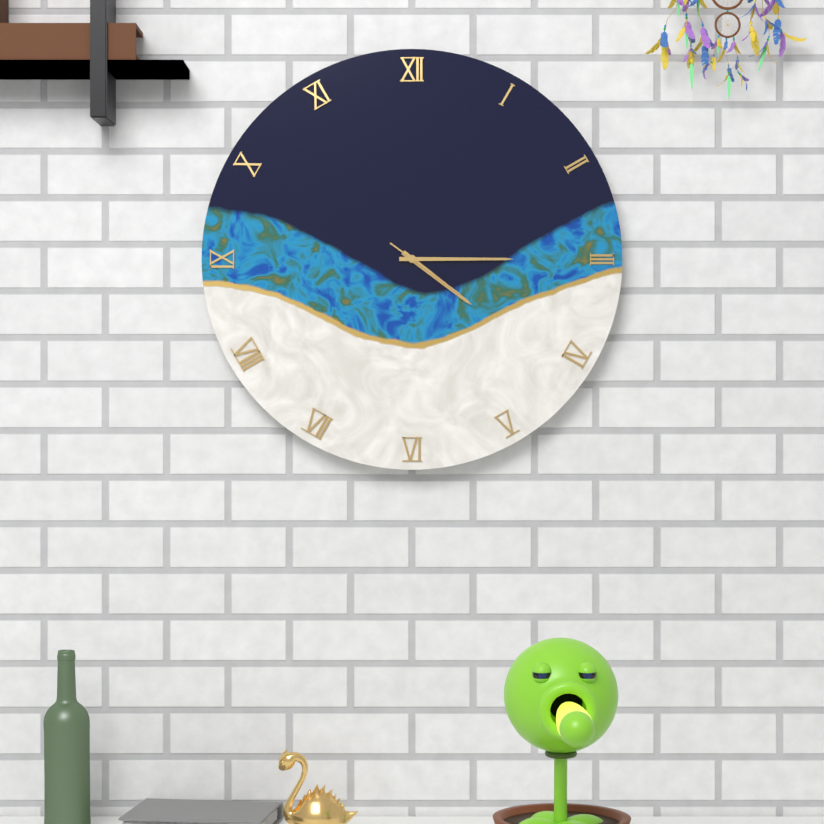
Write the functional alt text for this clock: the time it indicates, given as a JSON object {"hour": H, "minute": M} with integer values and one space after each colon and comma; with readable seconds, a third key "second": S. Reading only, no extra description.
{"hour": 4, "minute": 15, "second": 21}
